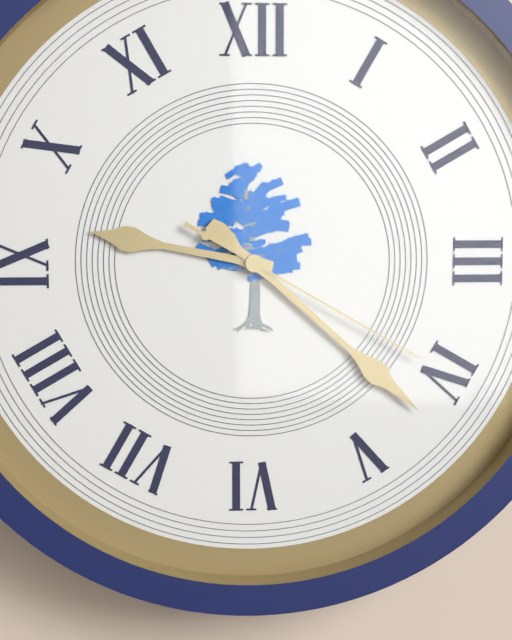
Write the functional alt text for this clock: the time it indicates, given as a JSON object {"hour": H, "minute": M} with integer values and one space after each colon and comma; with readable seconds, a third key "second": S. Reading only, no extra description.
{"hour": 9, "minute": 22, "second": 20}
